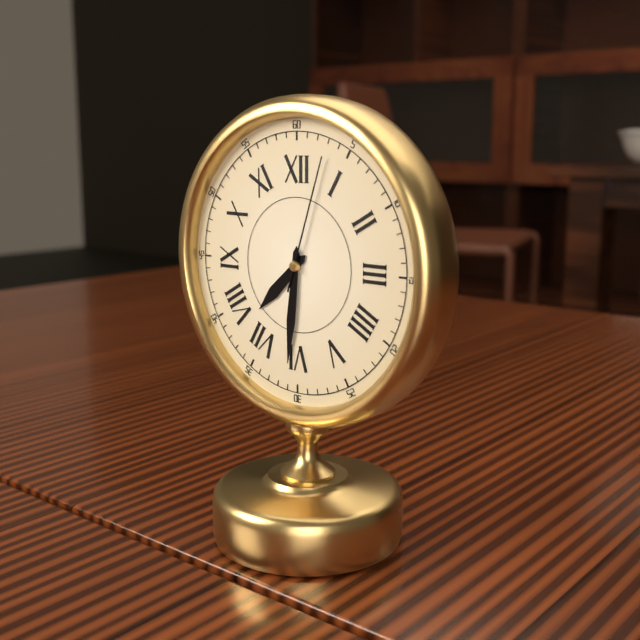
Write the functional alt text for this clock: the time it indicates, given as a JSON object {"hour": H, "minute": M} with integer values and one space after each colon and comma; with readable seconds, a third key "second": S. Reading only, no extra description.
{"hour": 7, "minute": 31, "second": 3}
